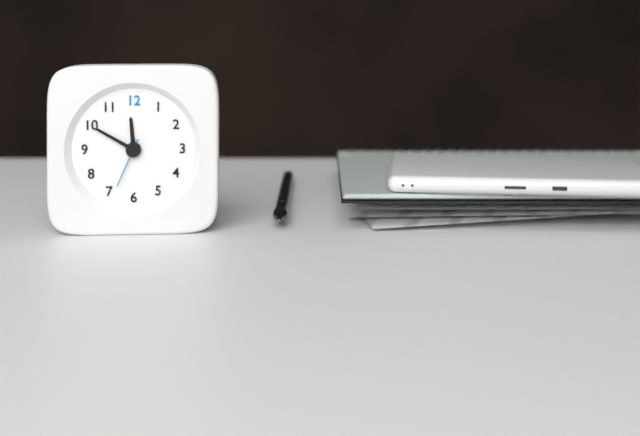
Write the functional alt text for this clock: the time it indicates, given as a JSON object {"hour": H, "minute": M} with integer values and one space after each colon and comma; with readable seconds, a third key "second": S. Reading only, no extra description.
{"hour": 11, "minute": 50, "second": 34}
